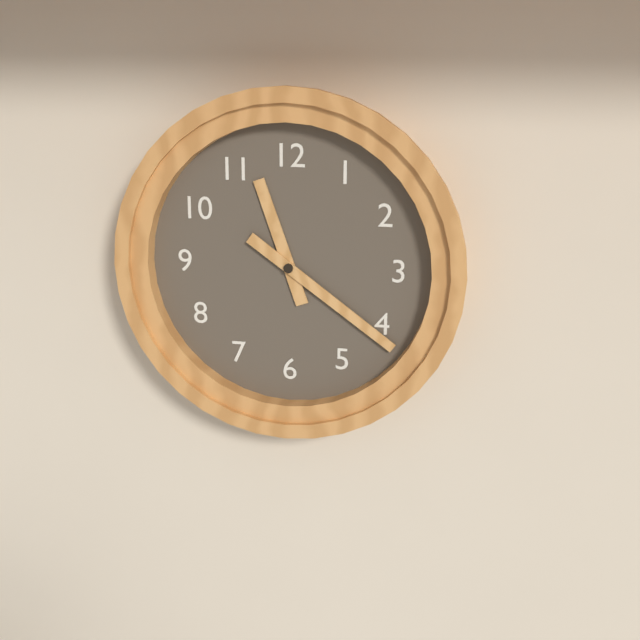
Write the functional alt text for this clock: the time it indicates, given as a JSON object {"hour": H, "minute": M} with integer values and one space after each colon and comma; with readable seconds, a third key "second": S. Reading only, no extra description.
{"hour": 11, "minute": 21}
